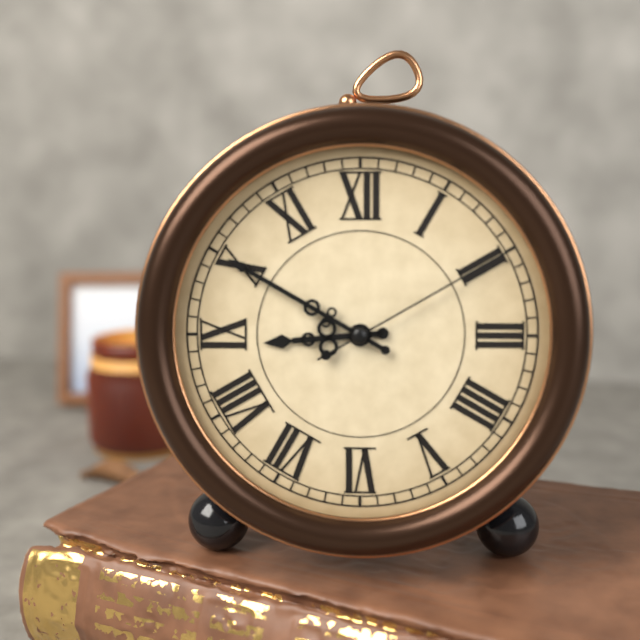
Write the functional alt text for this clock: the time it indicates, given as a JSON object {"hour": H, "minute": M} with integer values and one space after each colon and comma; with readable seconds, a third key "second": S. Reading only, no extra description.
{"hour": 8, "minute": 50, "second": 10}
